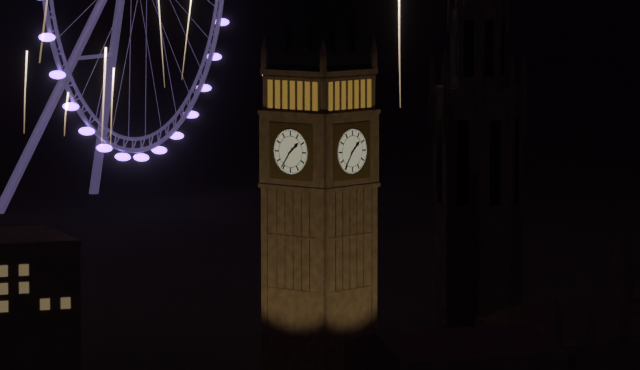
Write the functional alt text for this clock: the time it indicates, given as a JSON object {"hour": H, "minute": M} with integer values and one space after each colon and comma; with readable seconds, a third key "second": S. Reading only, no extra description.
{"hour": 1, "minute": 36}
